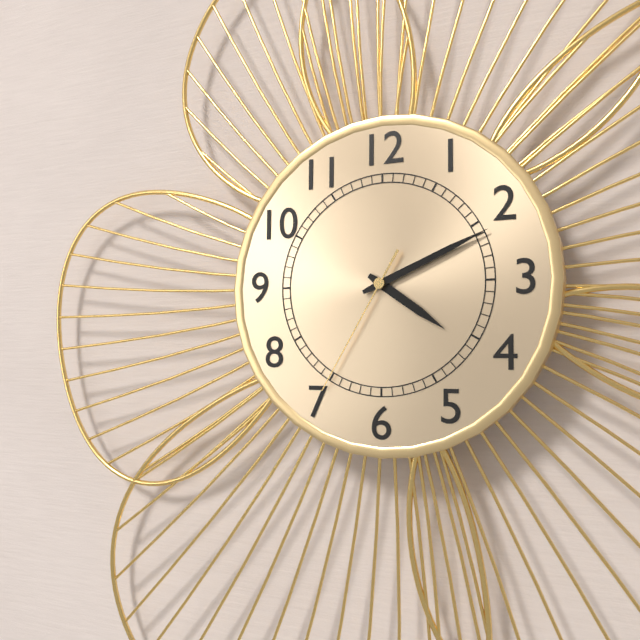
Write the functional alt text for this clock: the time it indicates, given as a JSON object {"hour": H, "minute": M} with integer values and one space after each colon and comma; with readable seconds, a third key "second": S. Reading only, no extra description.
{"hour": 4, "minute": 11, "second": 35}
